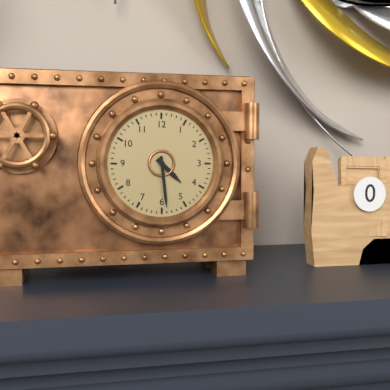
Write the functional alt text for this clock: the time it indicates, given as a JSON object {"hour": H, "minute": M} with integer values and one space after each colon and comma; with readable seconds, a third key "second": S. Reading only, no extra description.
{"hour": 4, "minute": 29}
